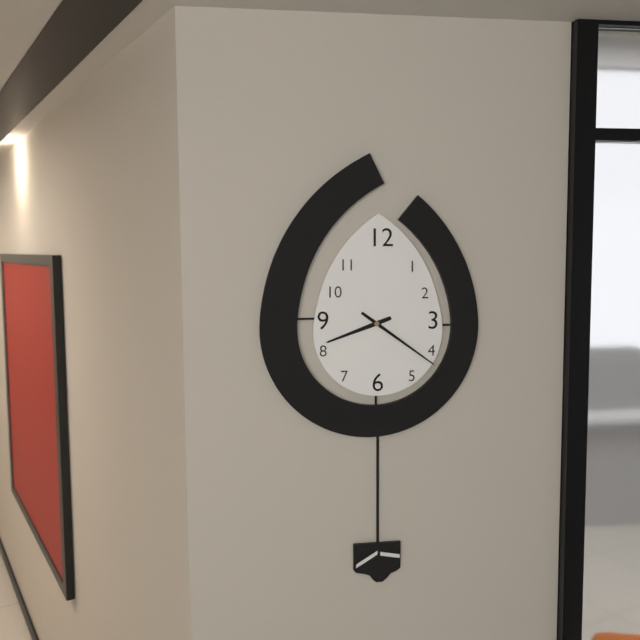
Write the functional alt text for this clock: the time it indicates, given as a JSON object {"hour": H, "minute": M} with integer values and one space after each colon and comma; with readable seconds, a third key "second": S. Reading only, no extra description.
{"hour": 8, "minute": 21}
